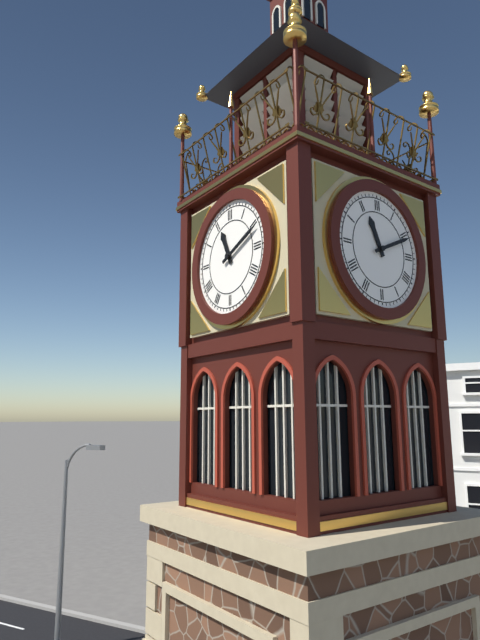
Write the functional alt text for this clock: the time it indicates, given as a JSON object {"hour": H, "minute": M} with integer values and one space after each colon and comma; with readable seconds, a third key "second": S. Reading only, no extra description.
{"hour": 11, "minute": 11}
